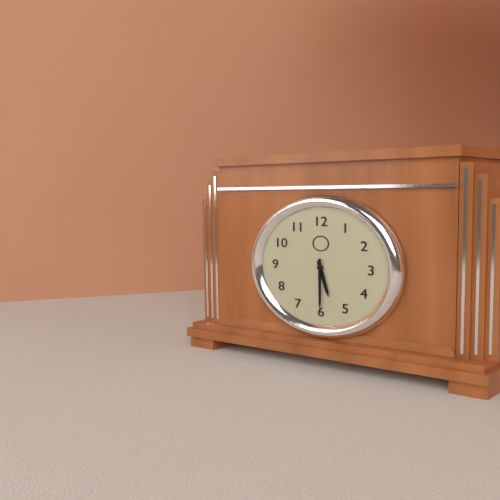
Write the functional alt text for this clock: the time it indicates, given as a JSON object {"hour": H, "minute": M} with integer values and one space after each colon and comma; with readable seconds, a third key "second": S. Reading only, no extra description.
{"hour": 5, "minute": 30}
